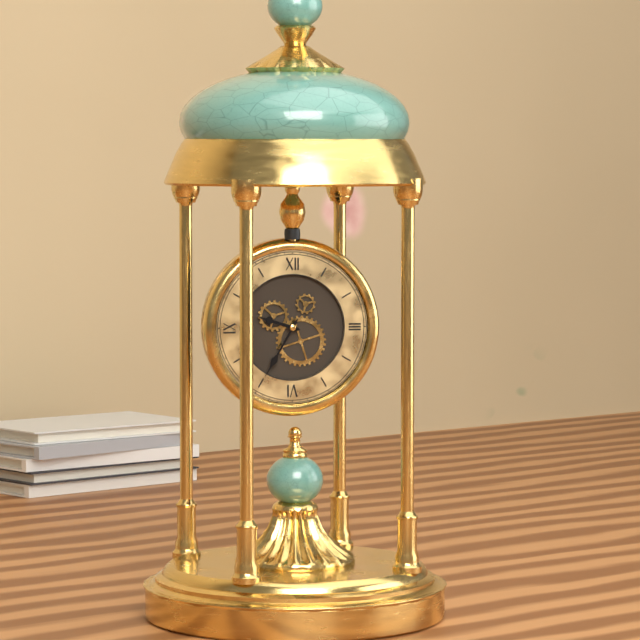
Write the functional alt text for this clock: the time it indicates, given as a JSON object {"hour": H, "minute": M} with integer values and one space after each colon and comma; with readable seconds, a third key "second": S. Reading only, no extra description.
{"hour": 9, "minute": 35}
